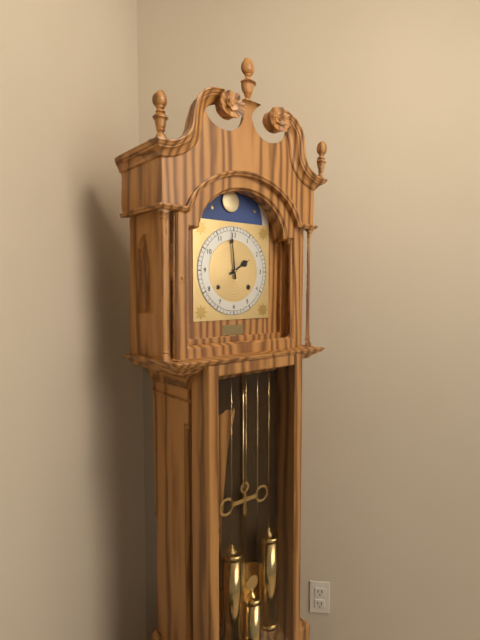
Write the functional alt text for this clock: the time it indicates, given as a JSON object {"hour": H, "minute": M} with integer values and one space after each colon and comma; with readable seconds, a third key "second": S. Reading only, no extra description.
{"hour": 1, "minute": 59}
